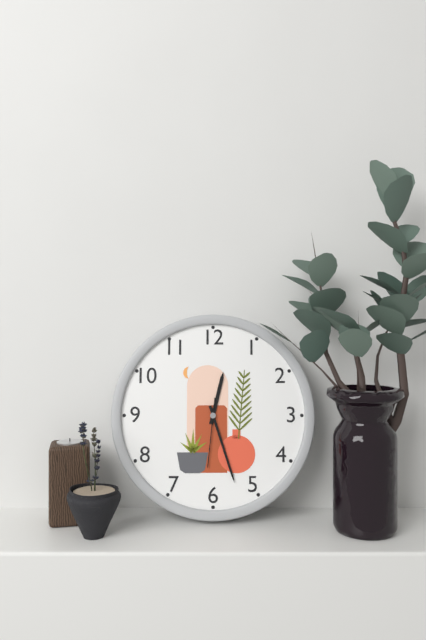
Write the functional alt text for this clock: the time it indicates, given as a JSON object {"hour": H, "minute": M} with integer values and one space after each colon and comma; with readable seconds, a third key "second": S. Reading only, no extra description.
{"hour": 12, "minute": 27, "second": 31}
